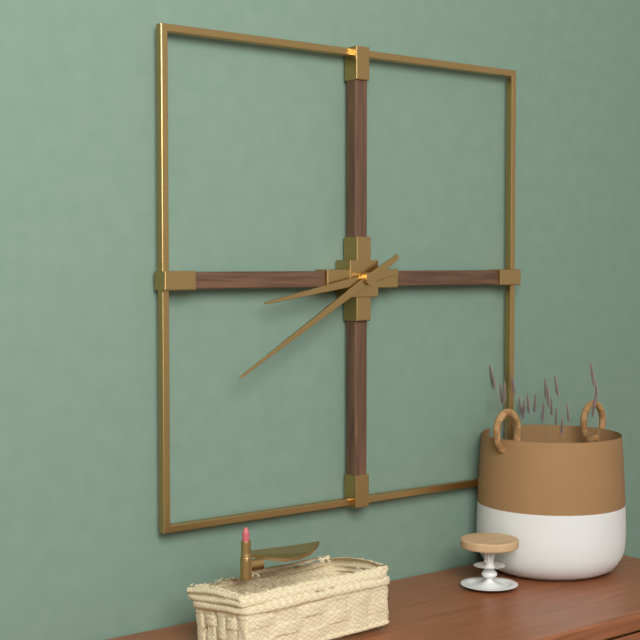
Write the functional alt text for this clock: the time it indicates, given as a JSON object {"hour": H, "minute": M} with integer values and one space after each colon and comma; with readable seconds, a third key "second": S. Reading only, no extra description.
{"hour": 8, "minute": 40}
